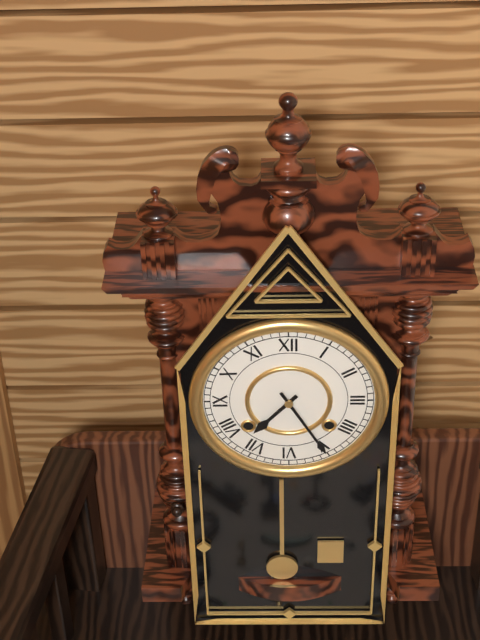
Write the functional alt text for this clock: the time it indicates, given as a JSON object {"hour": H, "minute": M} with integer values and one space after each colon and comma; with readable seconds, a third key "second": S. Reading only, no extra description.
{"hour": 7, "minute": 25}
